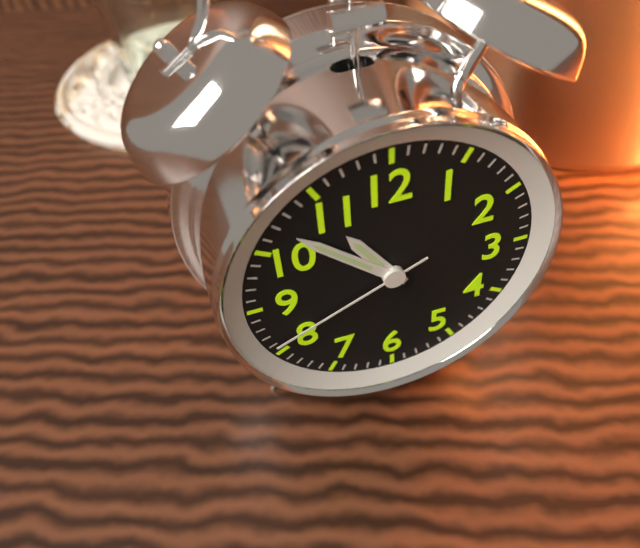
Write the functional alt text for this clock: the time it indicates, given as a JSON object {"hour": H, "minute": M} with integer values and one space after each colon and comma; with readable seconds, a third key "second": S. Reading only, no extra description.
{"hour": 10, "minute": 52, "second": 41}
